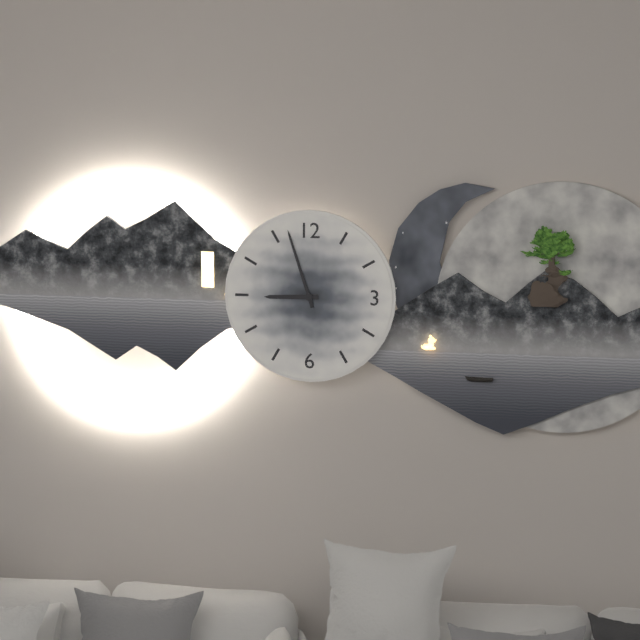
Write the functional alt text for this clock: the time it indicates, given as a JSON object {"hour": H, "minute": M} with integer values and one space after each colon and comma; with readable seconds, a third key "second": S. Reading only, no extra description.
{"hour": 8, "minute": 57}
